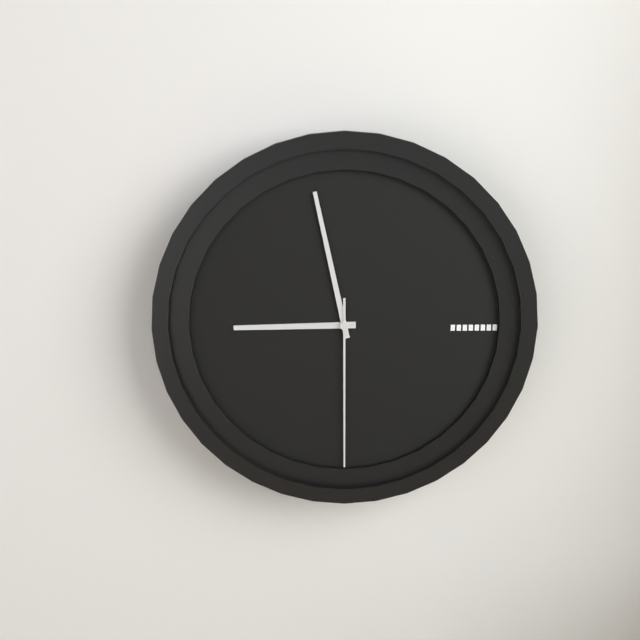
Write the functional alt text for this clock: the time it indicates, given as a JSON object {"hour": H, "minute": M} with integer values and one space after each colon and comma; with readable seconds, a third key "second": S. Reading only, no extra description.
{"hour": 8, "minute": 58, "second": 30}
